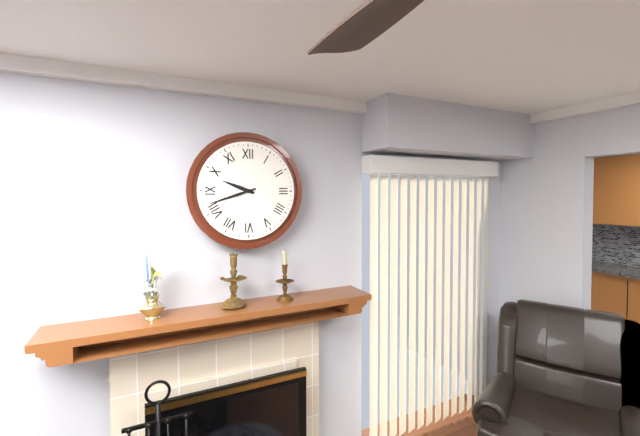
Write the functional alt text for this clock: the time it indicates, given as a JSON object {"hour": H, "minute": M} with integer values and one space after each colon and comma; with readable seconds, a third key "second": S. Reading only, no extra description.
{"hour": 9, "minute": 42}
